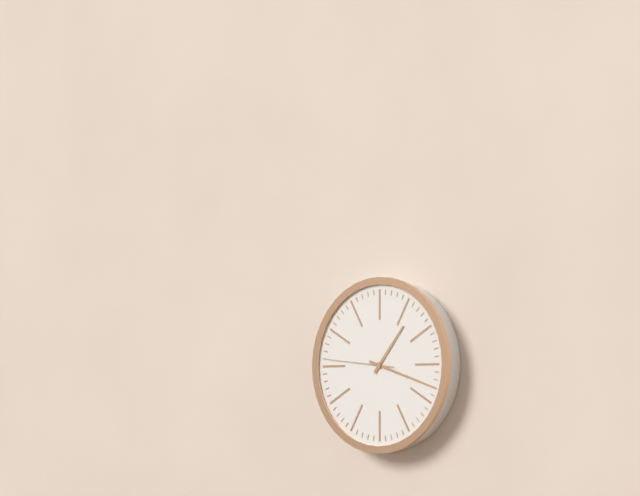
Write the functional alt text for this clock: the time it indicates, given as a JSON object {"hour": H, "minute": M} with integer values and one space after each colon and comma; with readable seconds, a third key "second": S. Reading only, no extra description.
{"hour": 1, "minute": 18, "second": 46}
